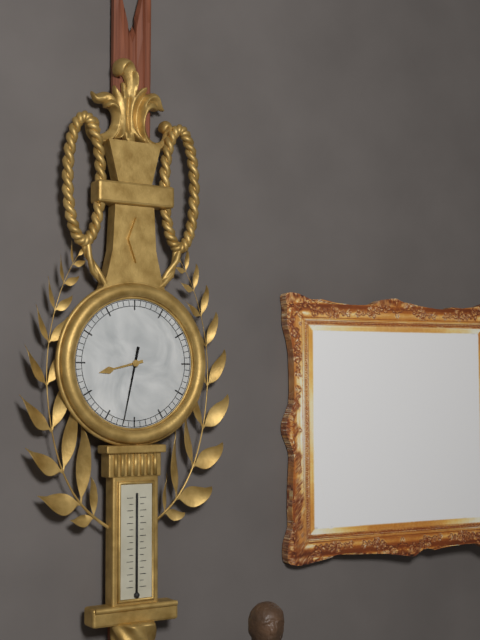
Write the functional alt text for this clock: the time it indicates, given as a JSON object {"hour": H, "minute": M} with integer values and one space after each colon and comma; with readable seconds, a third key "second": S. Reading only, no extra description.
{"hour": 8, "minute": 32}
